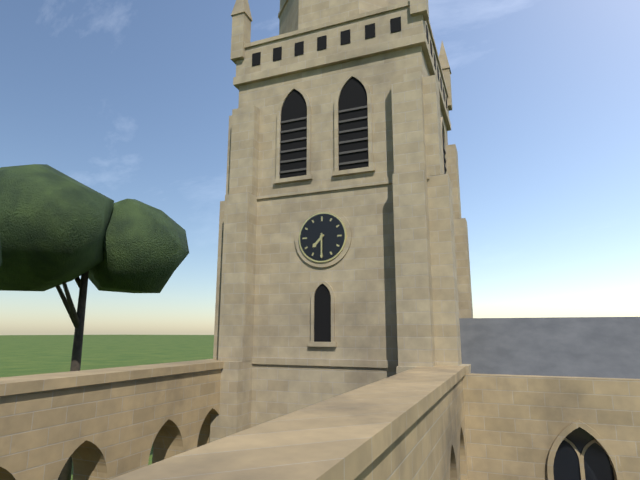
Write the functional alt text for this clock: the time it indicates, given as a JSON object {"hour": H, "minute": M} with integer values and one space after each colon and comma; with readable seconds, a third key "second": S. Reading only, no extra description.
{"hour": 7, "minute": 30}
